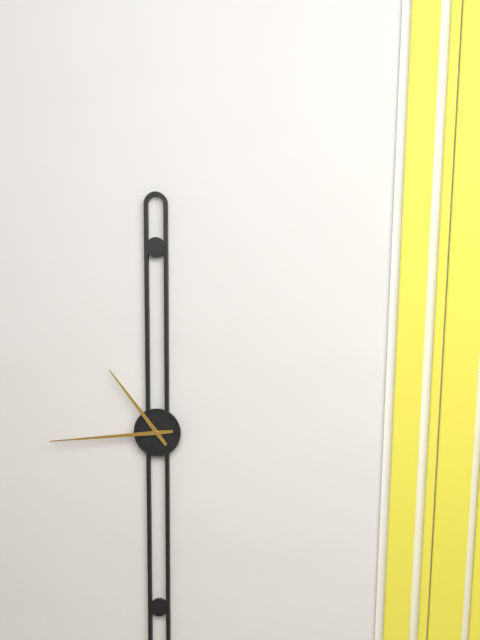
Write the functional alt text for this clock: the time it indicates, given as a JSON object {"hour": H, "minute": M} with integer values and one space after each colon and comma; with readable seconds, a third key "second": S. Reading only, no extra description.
{"hour": 10, "minute": 44}
